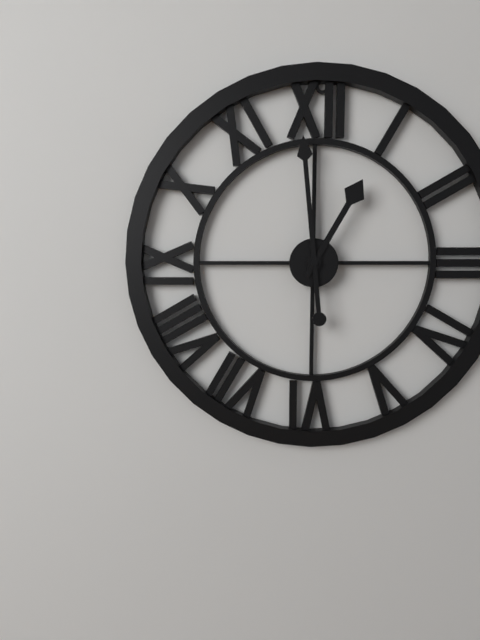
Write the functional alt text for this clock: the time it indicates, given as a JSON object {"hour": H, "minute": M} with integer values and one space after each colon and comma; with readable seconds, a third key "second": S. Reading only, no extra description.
{"hour": 12, "minute": 59}
